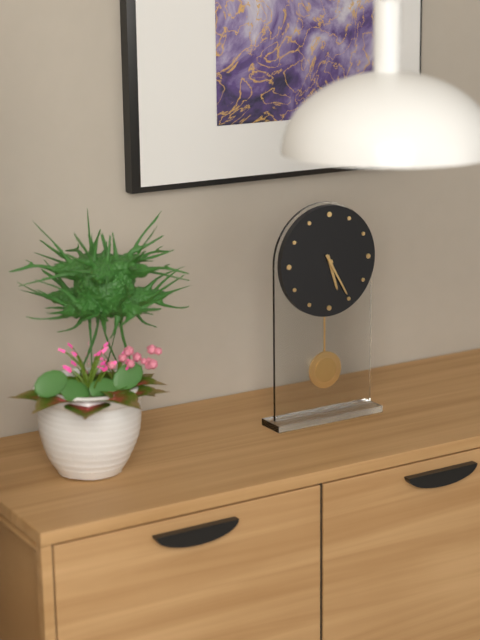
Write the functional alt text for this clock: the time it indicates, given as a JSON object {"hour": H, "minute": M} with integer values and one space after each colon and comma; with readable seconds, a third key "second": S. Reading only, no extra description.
{"hour": 5, "minute": 25}
